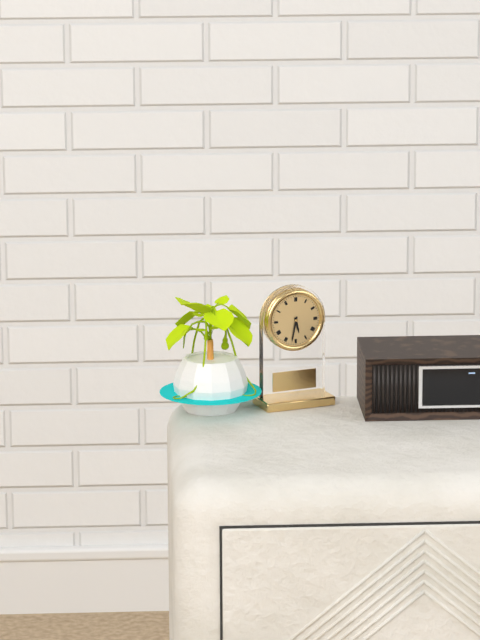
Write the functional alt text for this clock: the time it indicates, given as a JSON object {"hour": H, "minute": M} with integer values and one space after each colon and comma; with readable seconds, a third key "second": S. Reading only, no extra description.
{"hour": 5, "minute": 32}
